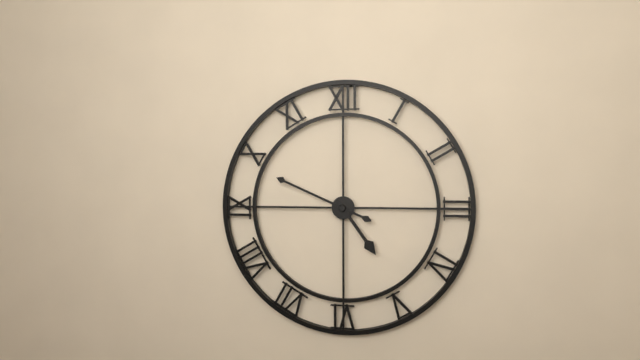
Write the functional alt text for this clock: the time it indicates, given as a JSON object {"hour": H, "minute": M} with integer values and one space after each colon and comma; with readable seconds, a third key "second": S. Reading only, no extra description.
{"hour": 4, "minute": 49}
